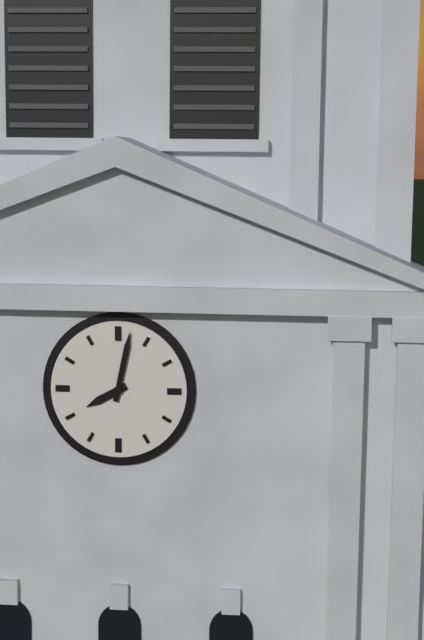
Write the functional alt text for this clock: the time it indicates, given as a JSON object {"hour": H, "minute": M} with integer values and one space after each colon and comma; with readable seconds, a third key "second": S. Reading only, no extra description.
{"hour": 8, "minute": 2}
